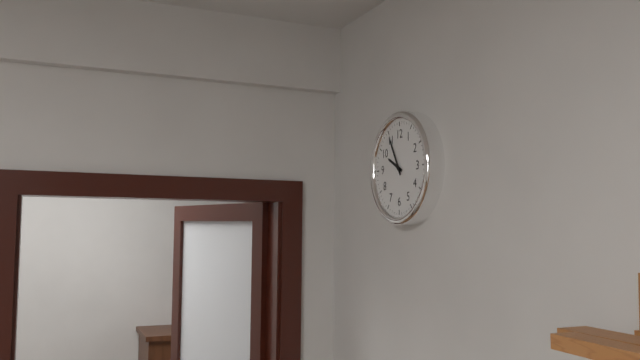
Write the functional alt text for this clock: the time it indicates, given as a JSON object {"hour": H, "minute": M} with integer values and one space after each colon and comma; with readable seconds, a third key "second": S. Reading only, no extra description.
{"hour": 9, "minute": 55}
